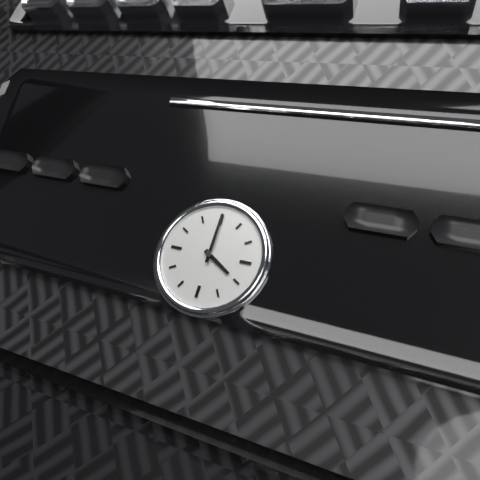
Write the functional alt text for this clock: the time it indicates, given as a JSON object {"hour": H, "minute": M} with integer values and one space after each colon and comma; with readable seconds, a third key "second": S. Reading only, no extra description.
{"hour": 4, "minute": 0}
